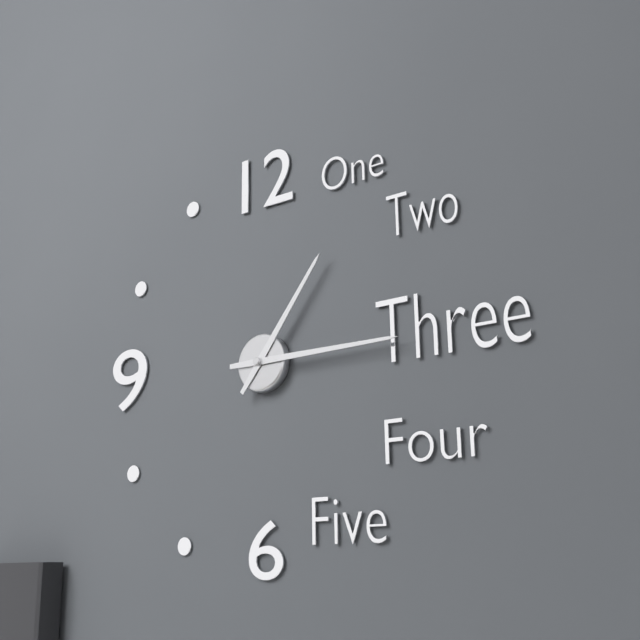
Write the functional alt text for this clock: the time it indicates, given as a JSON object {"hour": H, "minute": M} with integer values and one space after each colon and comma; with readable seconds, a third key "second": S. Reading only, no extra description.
{"hour": 1, "minute": 15}
